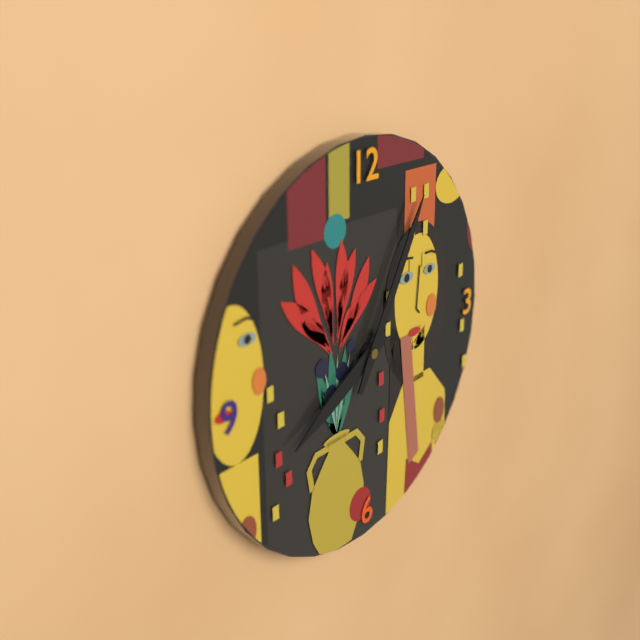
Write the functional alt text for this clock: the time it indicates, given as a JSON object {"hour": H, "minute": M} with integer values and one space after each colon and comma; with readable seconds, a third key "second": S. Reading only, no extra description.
{"hour": 8, "minute": 5}
